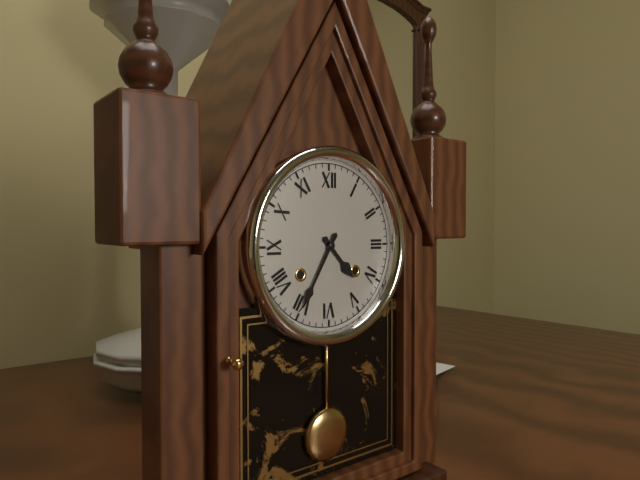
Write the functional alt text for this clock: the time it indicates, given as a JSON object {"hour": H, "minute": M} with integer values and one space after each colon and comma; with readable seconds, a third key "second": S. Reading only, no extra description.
{"hour": 4, "minute": 35}
